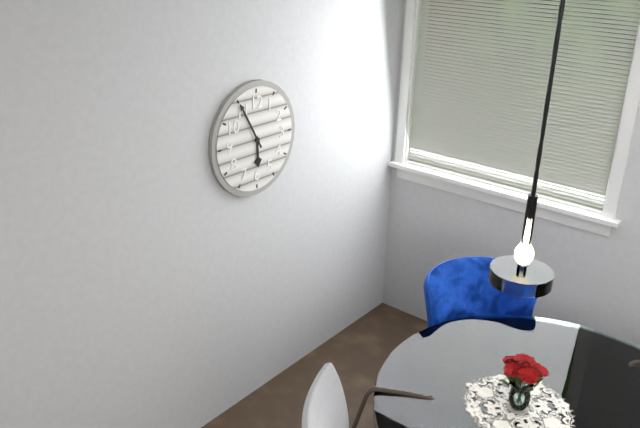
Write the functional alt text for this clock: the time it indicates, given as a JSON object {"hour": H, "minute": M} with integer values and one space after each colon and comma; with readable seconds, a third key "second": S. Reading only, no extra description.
{"hour": 5, "minute": 55}
